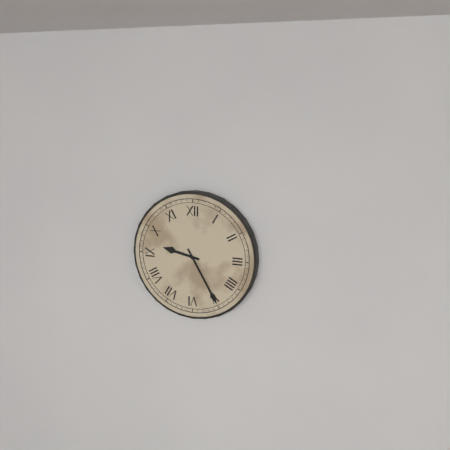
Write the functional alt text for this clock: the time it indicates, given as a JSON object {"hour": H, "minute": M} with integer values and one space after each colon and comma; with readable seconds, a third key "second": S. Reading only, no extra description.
{"hour": 9, "minute": 25}
